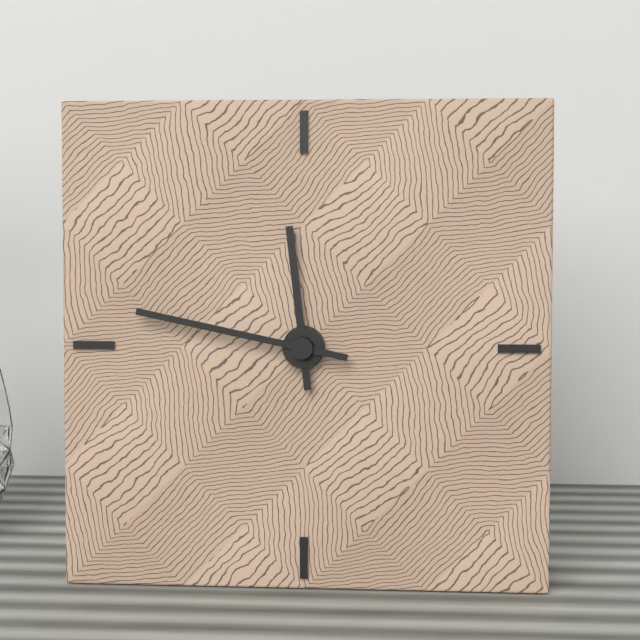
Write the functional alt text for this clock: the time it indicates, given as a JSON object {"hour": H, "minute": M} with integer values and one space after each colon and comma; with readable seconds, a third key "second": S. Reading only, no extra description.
{"hour": 11, "minute": 47}
